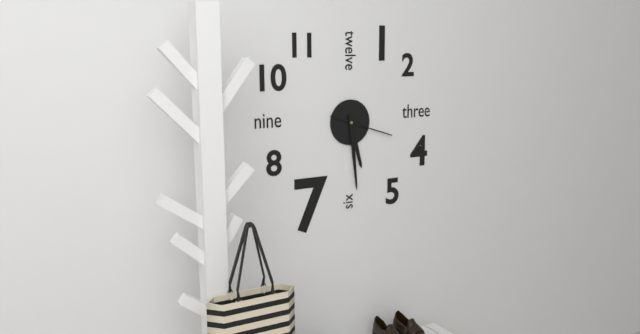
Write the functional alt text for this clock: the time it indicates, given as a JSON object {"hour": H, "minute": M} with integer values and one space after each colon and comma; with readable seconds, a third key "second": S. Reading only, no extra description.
{"hour": 5, "minute": 29, "second": 18}
